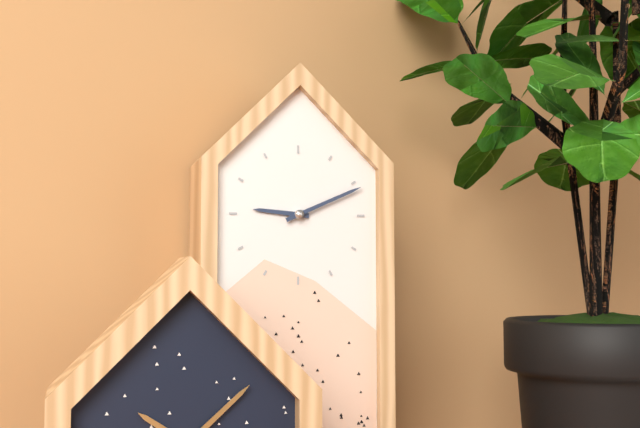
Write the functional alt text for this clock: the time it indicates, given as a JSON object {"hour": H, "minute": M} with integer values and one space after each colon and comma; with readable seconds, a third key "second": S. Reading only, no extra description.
{"hour": 9, "minute": 11}
